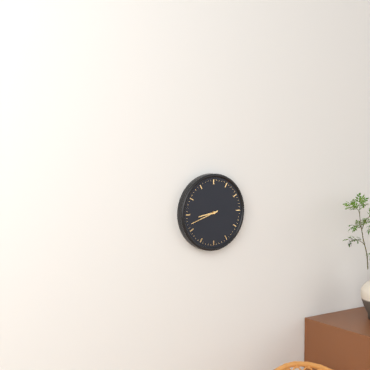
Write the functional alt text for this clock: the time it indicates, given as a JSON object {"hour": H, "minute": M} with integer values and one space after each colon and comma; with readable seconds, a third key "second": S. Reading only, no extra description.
{"hour": 8, "minute": 42}
